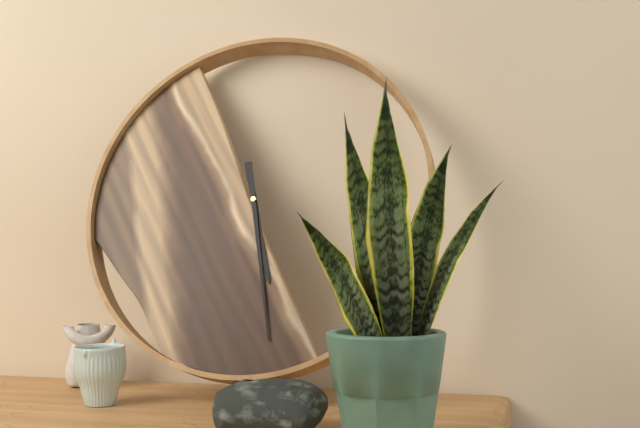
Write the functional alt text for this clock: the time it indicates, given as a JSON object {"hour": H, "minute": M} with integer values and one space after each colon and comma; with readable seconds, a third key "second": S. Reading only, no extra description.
{"hour": 5, "minute": 28}
